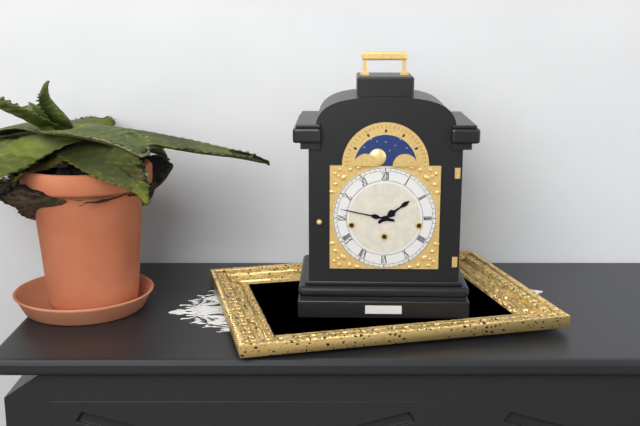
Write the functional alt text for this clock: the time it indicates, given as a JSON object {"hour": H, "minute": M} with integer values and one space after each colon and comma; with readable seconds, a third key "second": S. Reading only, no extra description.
{"hour": 1, "minute": 47}
